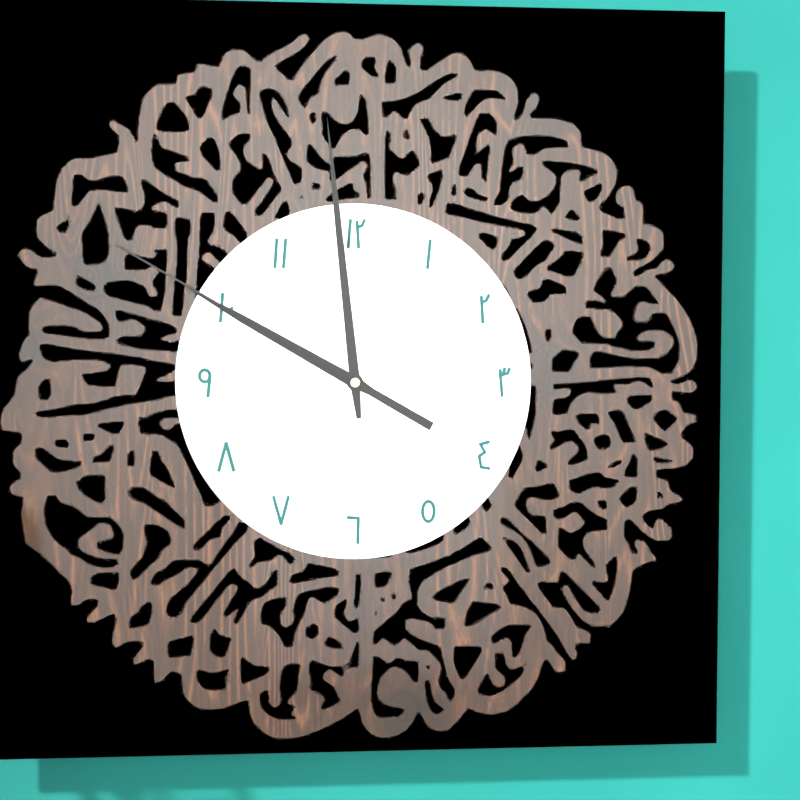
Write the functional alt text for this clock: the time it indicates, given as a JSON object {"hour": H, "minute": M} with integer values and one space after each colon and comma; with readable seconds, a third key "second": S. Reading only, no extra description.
{"hour": 9, "minute": 59, "second": 50}
